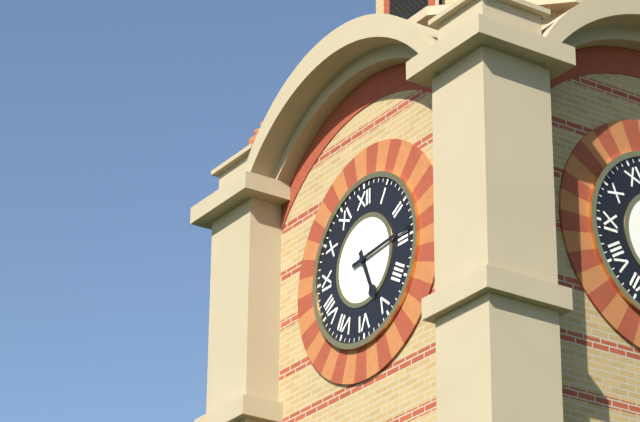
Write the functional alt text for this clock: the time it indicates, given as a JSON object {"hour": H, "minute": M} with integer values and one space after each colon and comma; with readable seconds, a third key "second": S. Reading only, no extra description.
{"hour": 5, "minute": 14}
